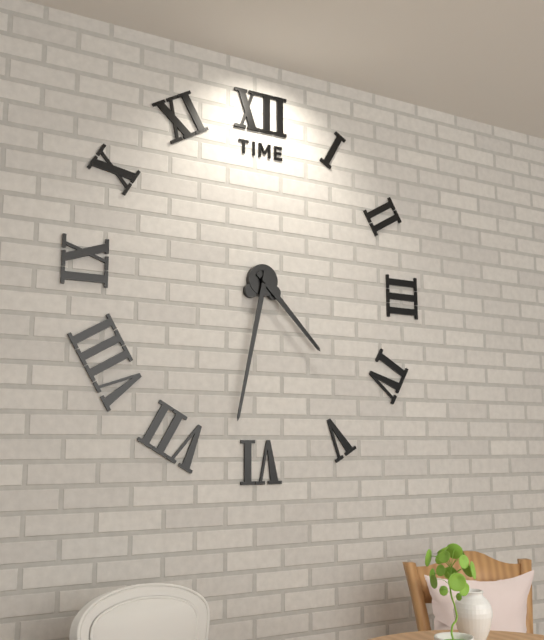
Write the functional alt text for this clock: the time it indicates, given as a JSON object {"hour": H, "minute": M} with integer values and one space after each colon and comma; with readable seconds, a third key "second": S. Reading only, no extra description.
{"hour": 4, "minute": 32}
